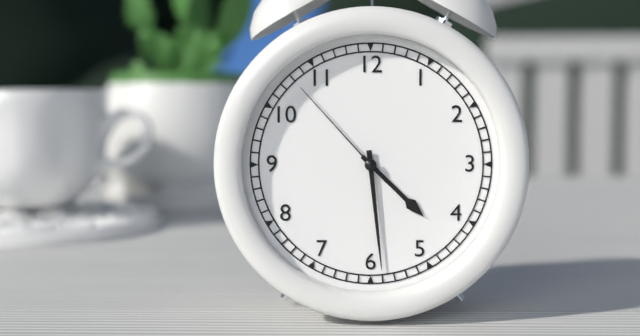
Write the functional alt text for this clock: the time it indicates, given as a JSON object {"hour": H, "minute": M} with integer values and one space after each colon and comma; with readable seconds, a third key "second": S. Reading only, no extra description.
{"hour": 4, "minute": 29, "second": 53}
